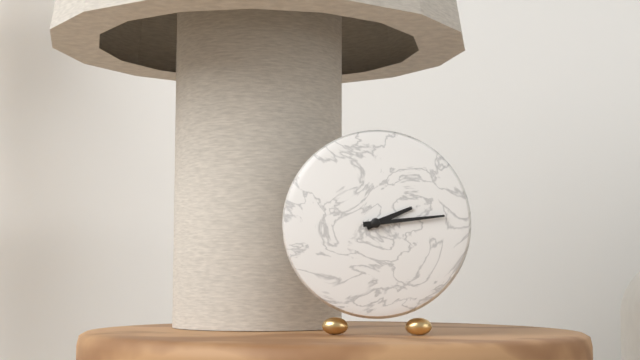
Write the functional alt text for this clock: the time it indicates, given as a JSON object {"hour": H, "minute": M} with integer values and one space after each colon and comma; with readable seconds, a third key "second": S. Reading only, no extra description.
{"hour": 2, "minute": 14}
